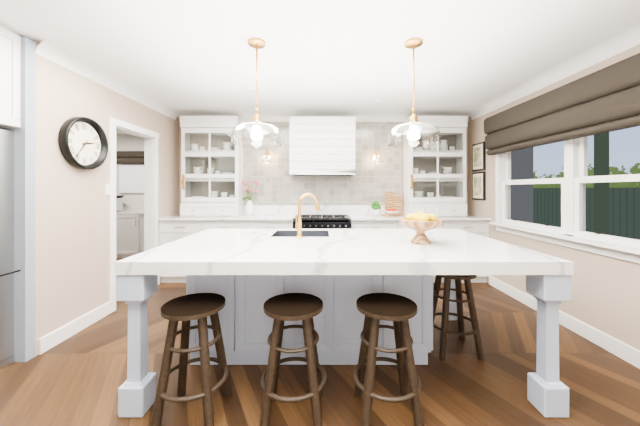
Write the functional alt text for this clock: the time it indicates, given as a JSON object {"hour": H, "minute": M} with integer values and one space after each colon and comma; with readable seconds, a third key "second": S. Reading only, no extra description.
{"hour": 2, "minute": 36}
